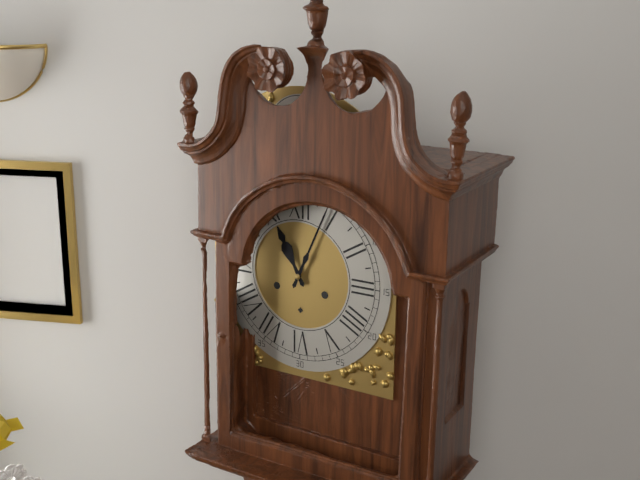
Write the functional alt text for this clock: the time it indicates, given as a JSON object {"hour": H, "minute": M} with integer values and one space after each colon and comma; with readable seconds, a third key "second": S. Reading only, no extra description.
{"hour": 11, "minute": 4}
